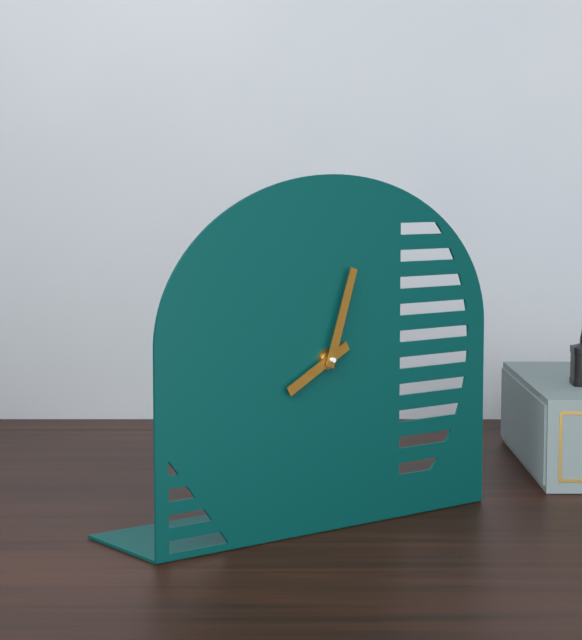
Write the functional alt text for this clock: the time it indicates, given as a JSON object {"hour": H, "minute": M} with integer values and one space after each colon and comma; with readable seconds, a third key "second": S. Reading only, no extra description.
{"hour": 8, "minute": 3}
